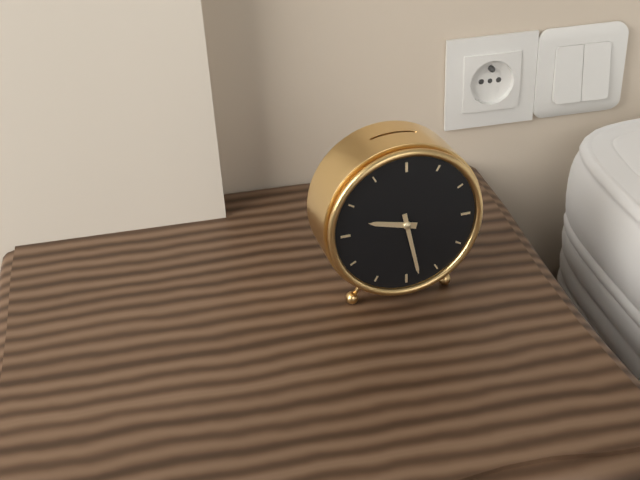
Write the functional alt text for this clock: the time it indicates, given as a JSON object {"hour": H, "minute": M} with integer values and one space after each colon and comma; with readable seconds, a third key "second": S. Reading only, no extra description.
{"hour": 9, "minute": 28}
